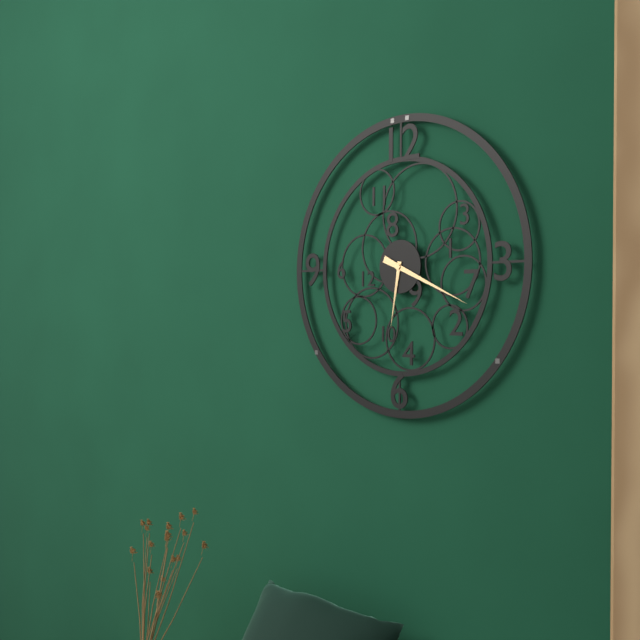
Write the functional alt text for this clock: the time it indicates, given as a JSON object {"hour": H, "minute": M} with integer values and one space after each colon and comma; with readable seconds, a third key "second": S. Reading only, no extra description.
{"hour": 6, "minute": 19}
